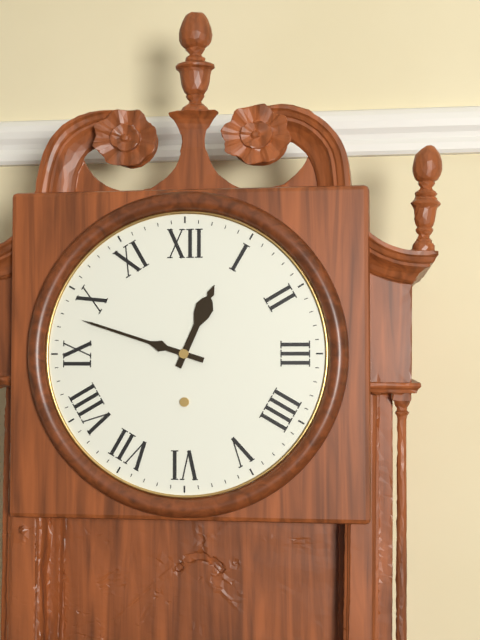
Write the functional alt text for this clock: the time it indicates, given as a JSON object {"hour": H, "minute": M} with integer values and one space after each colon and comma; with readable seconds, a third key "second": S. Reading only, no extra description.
{"hour": 12, "minute": 48}
